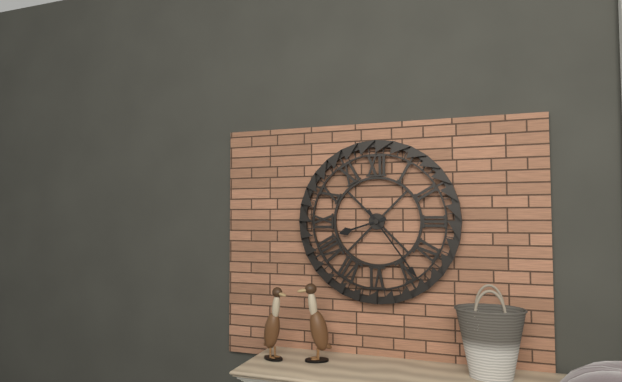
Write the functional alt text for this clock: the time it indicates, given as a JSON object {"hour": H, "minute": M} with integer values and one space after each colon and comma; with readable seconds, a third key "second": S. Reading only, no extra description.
{"hour": 8, "minute": 24}
